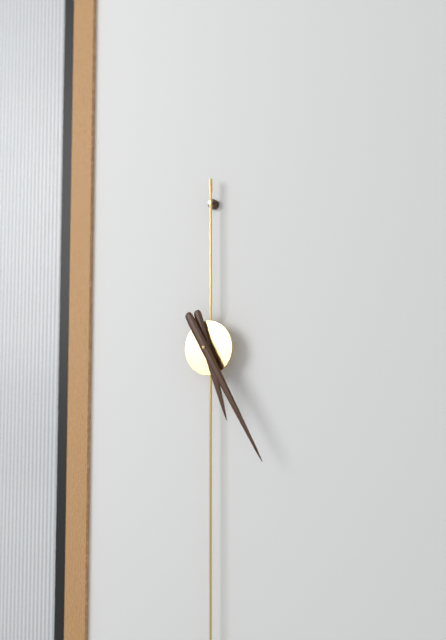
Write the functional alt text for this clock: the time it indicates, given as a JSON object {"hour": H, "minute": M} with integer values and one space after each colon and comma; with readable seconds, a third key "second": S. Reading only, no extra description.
{"hour": 5, "minute": 25}
